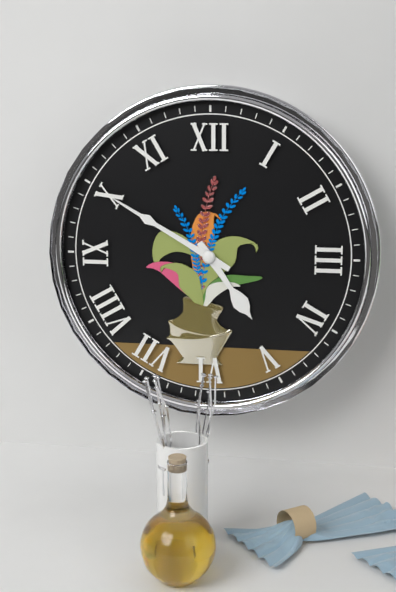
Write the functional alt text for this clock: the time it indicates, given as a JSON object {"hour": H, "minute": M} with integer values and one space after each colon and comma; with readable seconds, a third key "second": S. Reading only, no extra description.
{"hour": 4, "minute": 50}
